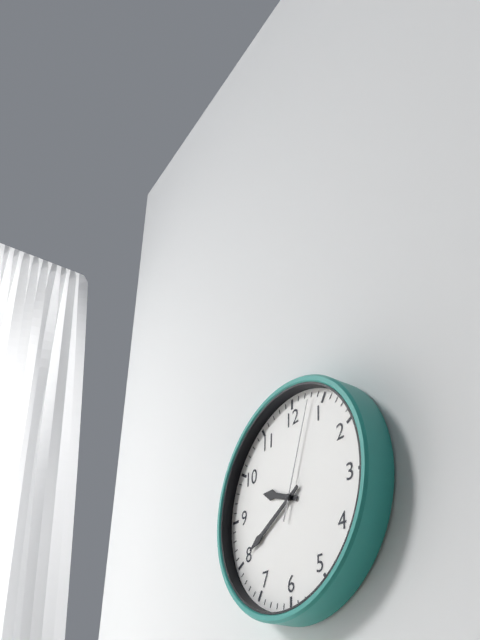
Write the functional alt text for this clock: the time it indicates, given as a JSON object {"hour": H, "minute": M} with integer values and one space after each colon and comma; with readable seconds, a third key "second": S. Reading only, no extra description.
{"hour": 9, "minute": 40, "second": 3}
